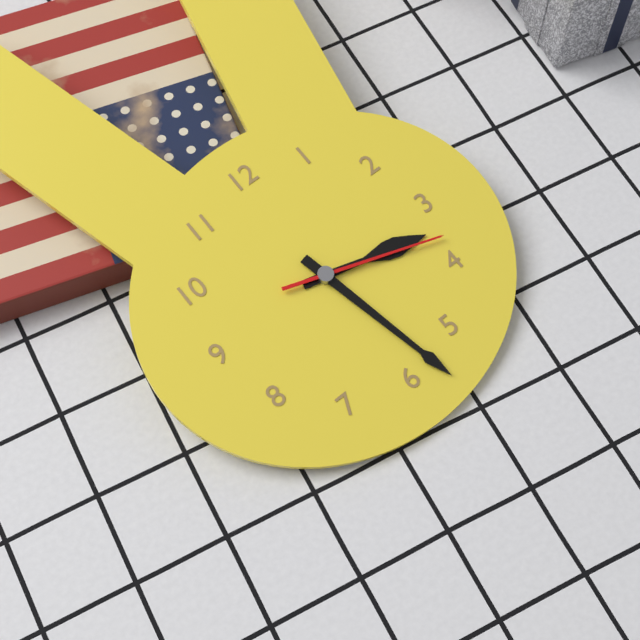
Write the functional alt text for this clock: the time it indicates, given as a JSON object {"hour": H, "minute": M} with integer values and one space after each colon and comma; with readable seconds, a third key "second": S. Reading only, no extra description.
{"hour": 3, "minute": 28, "second": 18}
